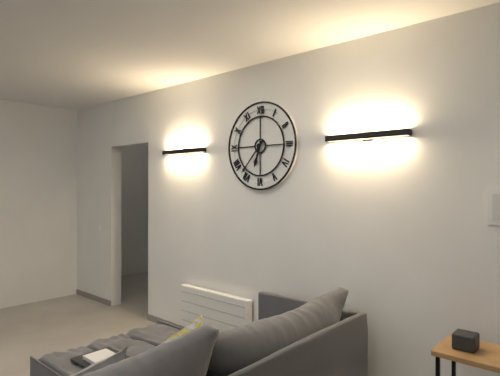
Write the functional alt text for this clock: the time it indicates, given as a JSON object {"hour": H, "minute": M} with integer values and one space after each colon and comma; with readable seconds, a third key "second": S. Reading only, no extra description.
{"hour": 6, "minute": 37}
